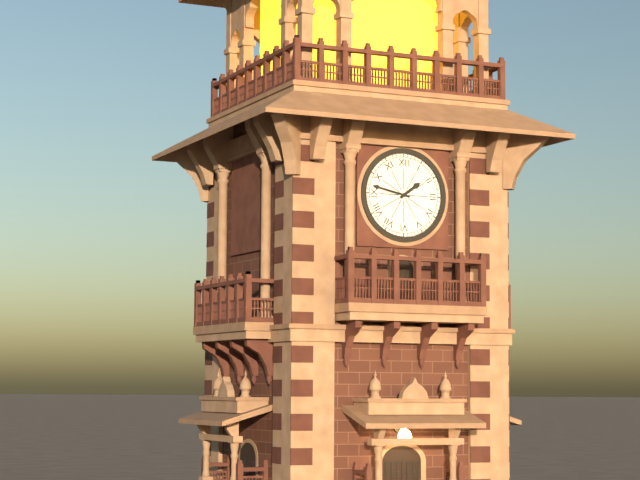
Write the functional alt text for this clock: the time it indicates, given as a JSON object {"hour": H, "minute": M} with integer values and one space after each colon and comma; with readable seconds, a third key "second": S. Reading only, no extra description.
{"hour": 1, "minute": 47}
